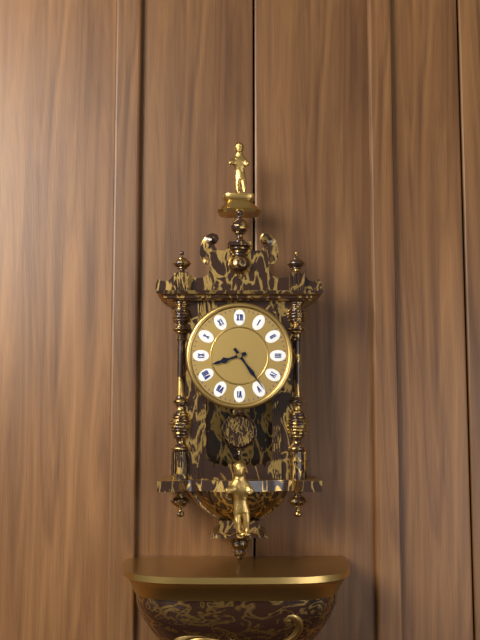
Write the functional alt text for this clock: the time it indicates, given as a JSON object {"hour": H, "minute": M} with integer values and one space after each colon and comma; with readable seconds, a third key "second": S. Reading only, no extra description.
{"hour": 8, "minute": 24}
